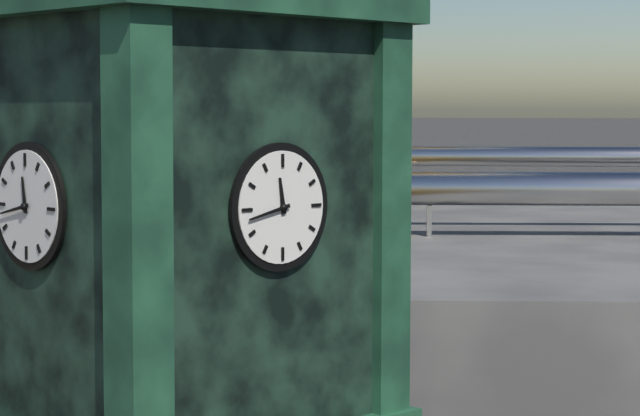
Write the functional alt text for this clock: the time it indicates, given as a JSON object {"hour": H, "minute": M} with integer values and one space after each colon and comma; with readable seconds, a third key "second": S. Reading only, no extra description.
{"hour": 11, "minute": 43}
